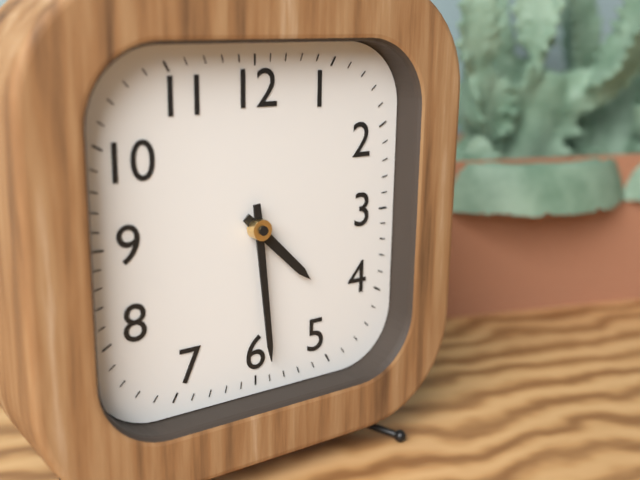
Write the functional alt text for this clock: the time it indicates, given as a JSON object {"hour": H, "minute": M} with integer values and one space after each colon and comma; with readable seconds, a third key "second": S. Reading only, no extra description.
{"hour": 4, "minute": 29}
